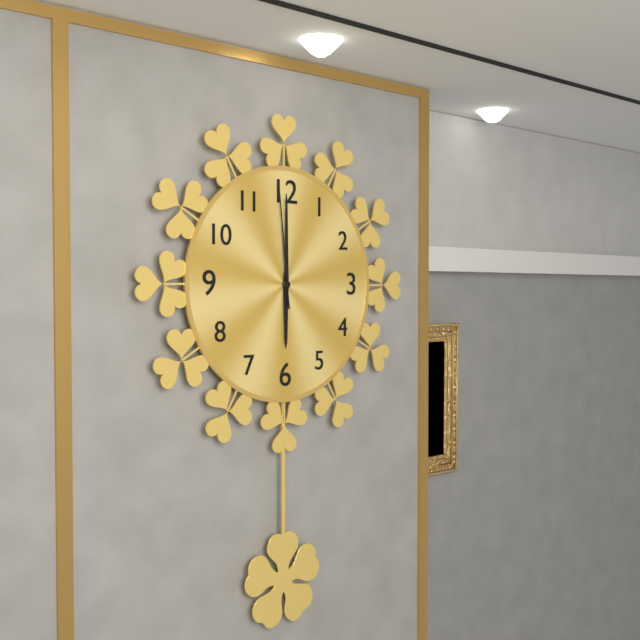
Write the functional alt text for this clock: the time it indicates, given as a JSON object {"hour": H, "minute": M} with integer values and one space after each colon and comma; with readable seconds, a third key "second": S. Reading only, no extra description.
{"hour": 6, "minute": 0, "second": 59}
